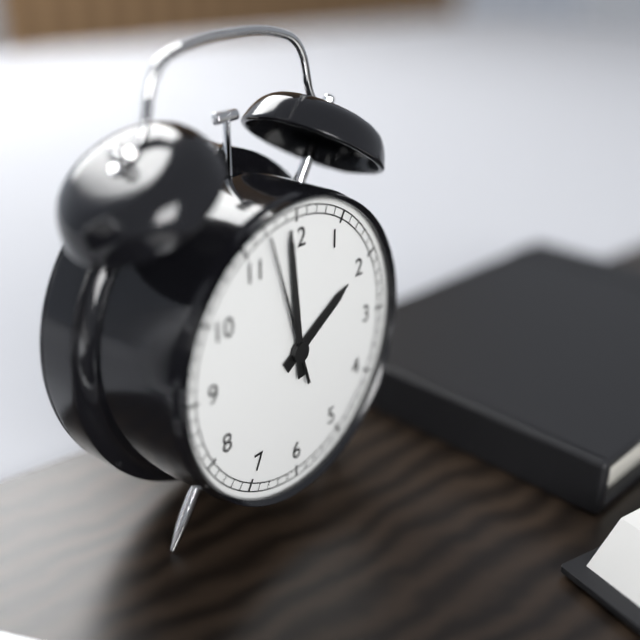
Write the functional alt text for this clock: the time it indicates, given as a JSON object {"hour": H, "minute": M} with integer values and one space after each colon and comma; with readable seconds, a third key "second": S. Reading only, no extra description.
{"hour": 1, "minute": 59, "second": 57}
